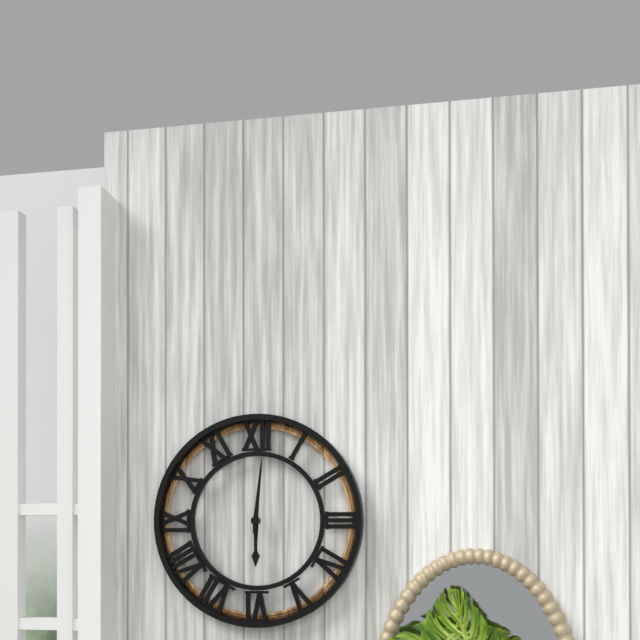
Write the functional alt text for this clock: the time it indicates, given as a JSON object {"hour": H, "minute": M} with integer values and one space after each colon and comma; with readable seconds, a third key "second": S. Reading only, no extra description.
{"hour": 6, "minute": 1}
